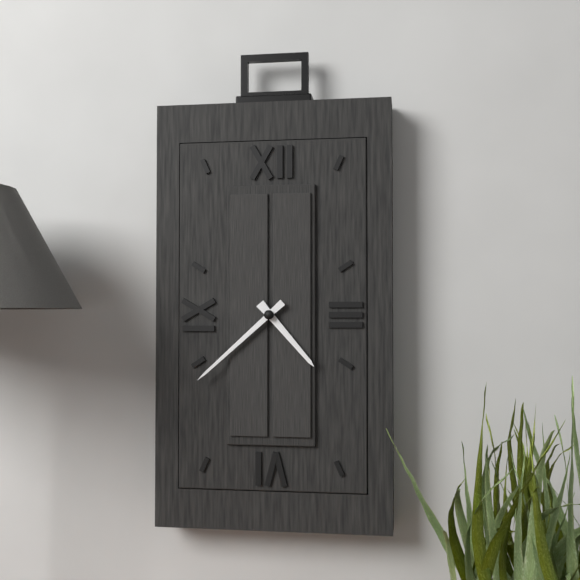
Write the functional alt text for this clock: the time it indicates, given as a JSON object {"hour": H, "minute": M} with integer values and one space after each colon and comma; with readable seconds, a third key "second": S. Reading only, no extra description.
{"hour": 4, "minute": 38}
